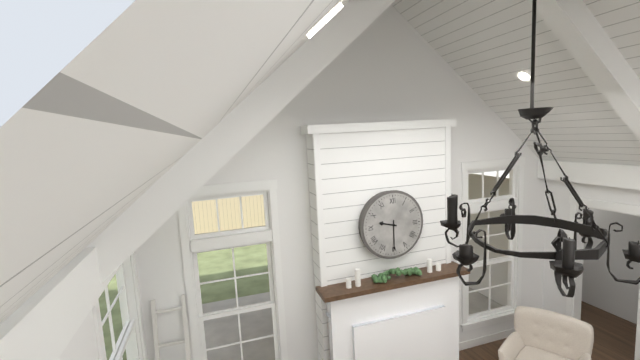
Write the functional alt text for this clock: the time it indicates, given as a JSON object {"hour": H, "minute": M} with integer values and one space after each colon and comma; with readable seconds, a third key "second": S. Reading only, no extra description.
{"hour": 9, "minute": 30}
